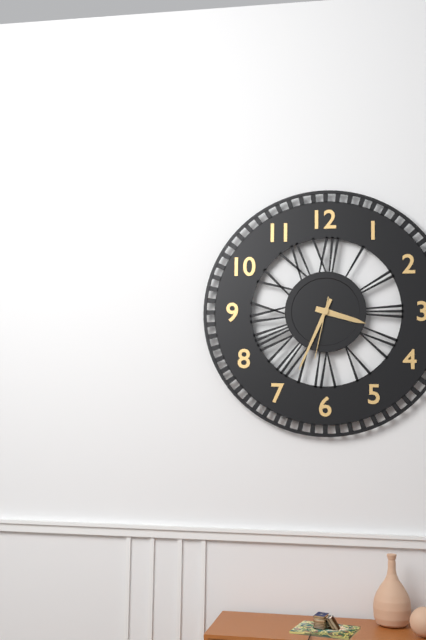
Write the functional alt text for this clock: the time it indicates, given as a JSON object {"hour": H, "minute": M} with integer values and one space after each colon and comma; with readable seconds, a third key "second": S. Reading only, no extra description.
{"hour": 3, "minute": 34, "second": 32}
